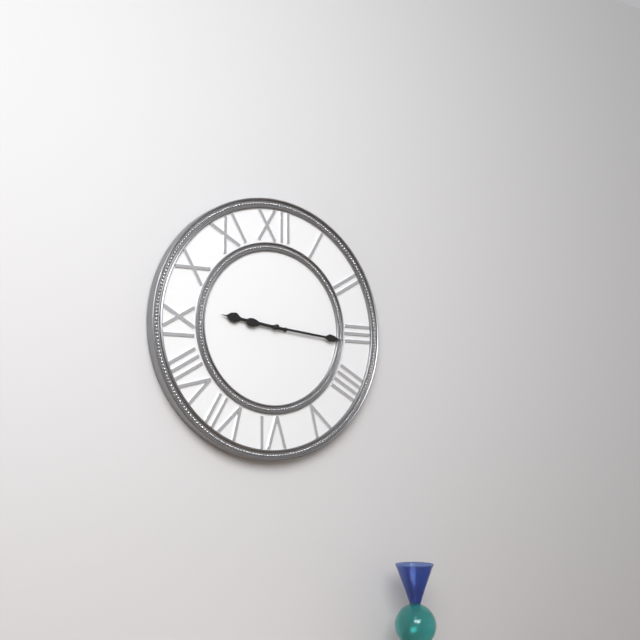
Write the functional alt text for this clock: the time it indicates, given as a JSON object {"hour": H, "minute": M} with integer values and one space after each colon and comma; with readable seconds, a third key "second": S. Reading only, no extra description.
{"hour": 9, "minute": 16}
